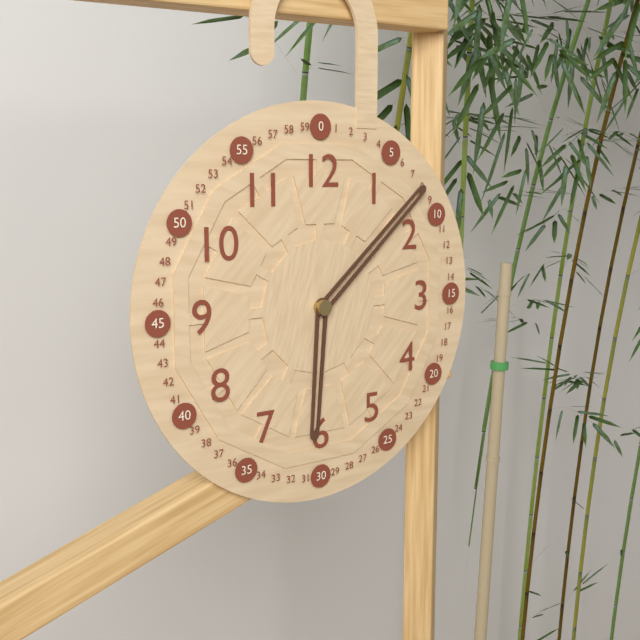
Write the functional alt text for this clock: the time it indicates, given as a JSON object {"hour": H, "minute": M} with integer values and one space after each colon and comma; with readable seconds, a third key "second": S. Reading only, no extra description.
{"hour": 6, "minute": 8}
